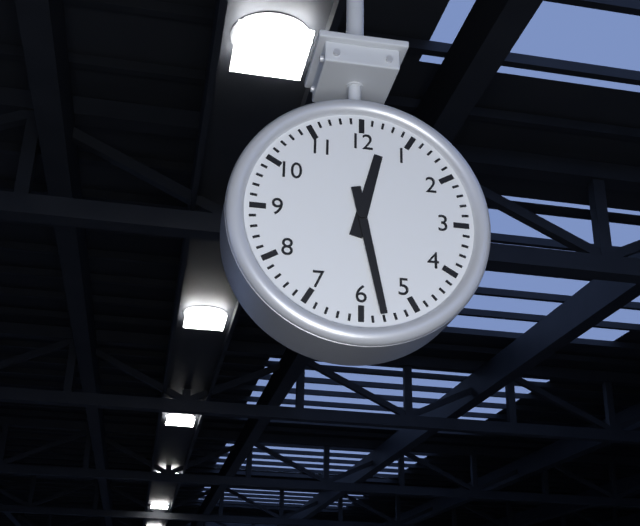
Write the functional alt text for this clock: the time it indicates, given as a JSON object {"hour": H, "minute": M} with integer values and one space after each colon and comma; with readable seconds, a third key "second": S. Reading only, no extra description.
{"hour": 12, "minute": 28}
